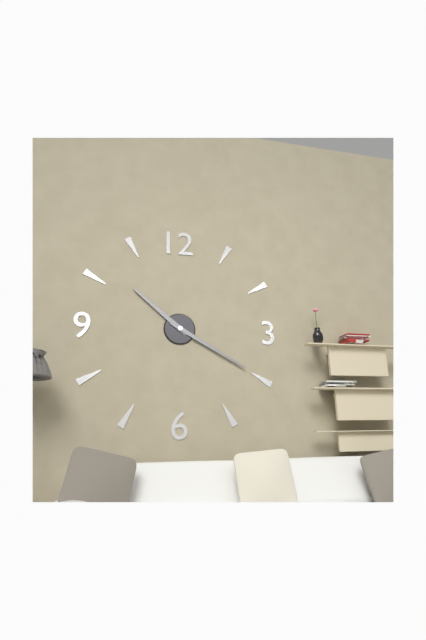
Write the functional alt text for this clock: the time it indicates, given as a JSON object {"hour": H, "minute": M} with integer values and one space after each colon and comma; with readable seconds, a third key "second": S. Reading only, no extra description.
{"hour": 10, "minute": 20}
